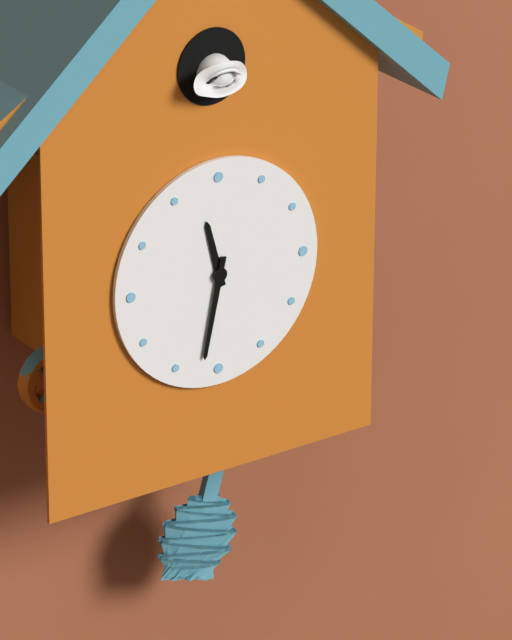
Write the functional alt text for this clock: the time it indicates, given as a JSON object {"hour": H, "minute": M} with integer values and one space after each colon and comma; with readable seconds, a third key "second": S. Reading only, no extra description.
{"hour": 11, "minute": 32}
